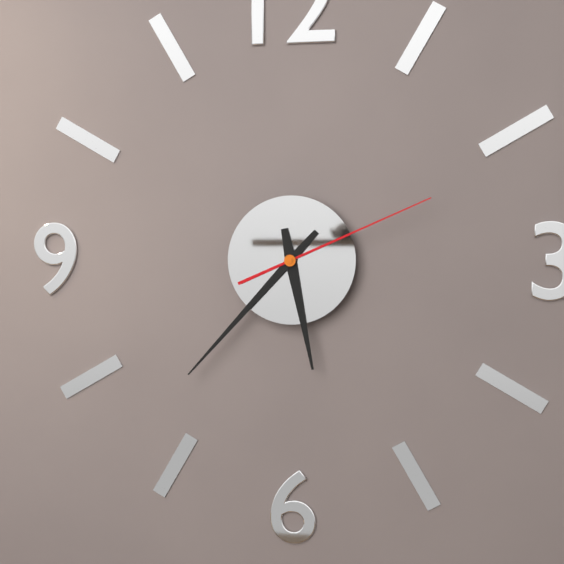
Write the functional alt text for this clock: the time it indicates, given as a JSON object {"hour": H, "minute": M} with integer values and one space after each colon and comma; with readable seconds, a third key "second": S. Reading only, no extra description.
{"hour": 5, "minute": 37, "second": 11}
